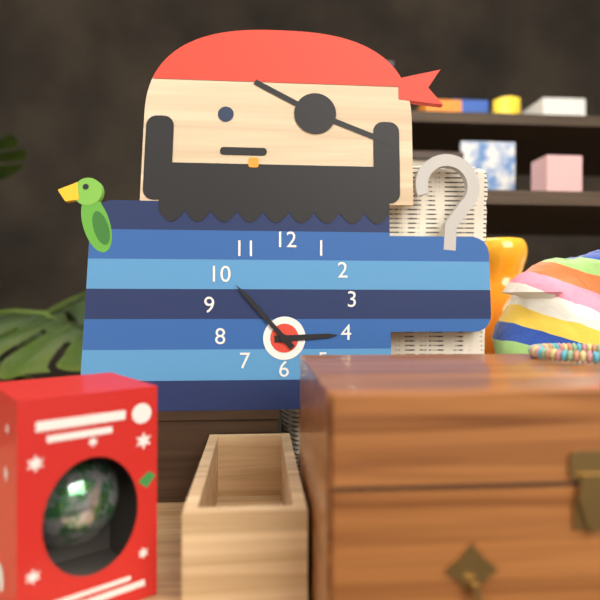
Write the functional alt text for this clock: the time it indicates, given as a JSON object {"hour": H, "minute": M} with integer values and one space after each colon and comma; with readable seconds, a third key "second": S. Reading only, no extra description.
{"hour": 2, "minute": 53}
